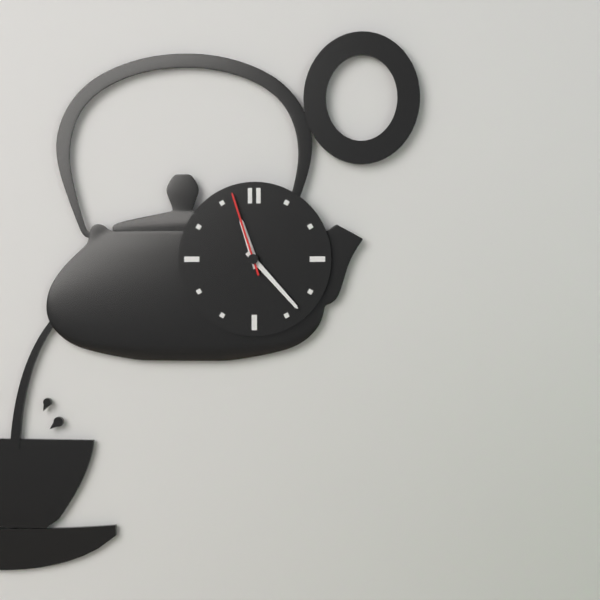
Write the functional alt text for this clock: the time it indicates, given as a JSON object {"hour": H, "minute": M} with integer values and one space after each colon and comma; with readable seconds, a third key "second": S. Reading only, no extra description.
{"hour": 11, "minute": 23, "second": 57}
